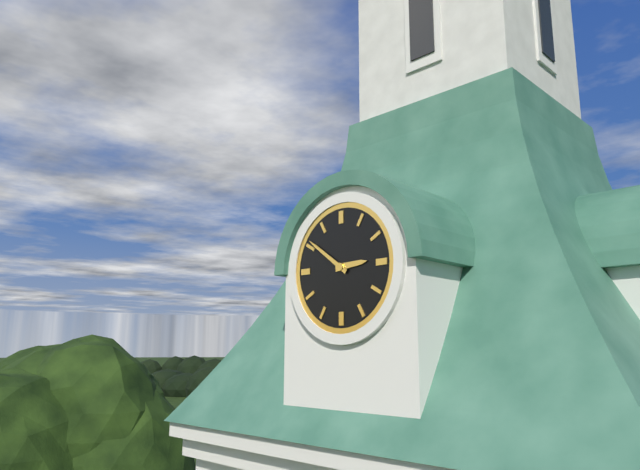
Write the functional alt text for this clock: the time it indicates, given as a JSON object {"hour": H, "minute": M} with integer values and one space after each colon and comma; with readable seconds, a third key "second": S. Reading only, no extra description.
{"hour": 2, "minute": 51}
